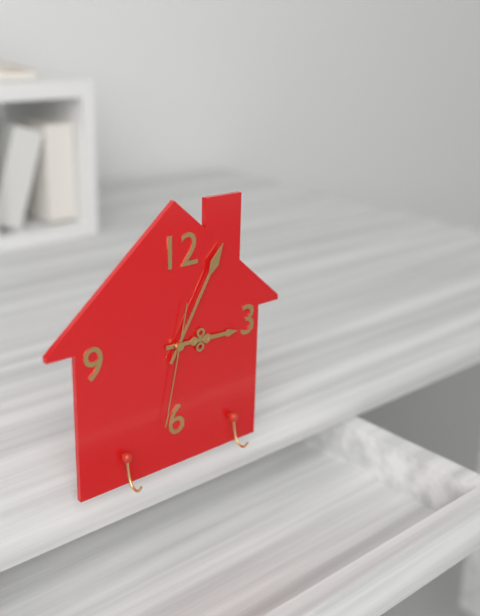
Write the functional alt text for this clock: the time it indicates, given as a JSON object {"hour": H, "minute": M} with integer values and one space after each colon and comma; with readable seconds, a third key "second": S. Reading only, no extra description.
{"hour": 3, "minute": 5, "second": 32}
